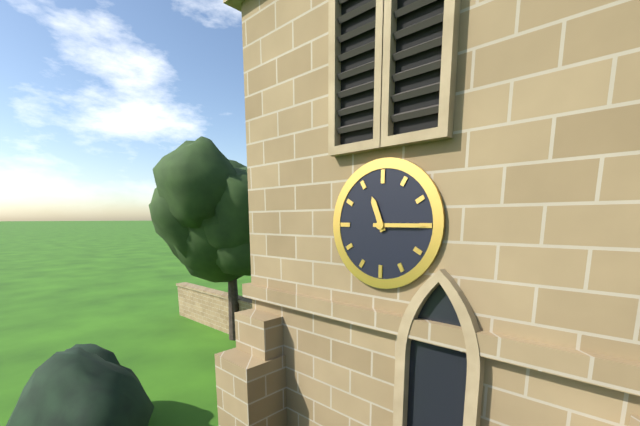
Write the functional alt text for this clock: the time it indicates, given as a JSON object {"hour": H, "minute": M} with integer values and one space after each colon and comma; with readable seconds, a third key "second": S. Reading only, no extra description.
{"hour": 11, "minute": 15}
